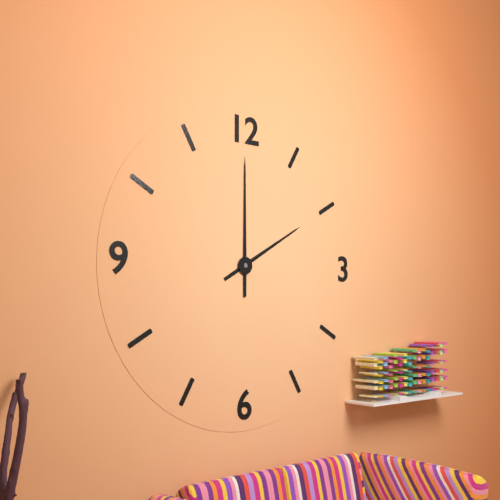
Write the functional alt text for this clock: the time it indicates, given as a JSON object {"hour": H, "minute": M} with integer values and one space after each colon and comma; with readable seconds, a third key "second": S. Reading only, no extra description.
{"hour": 2, "minute": 0}
